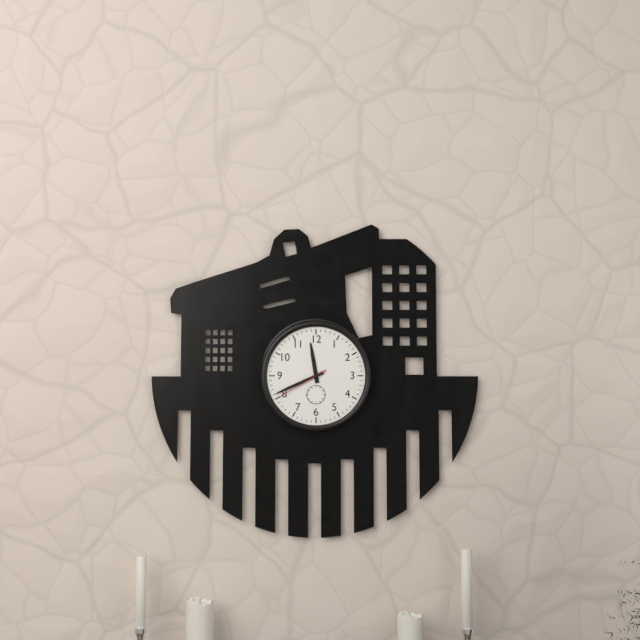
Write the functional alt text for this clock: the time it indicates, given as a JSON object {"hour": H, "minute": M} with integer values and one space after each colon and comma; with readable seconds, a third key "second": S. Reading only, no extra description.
{"hour": 11, "minute": 41, "second": 40}
